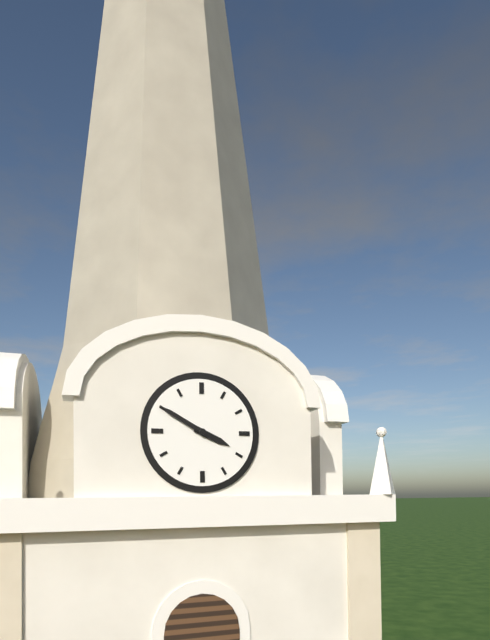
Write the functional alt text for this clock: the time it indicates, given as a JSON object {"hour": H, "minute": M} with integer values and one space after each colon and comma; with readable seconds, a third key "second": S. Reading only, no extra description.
{"hour": 3, "minute": 50}
